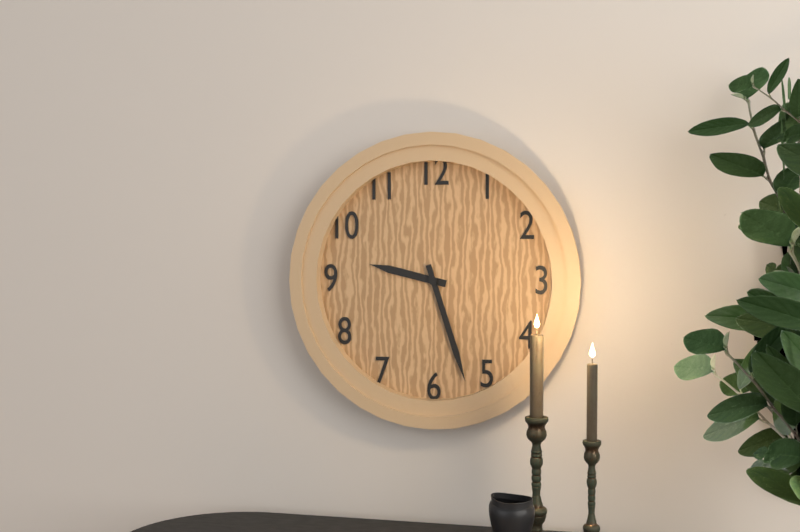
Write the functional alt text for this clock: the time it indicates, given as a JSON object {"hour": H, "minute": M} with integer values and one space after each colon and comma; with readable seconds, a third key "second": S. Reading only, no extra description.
{"hour": 9, "minute": 27}
